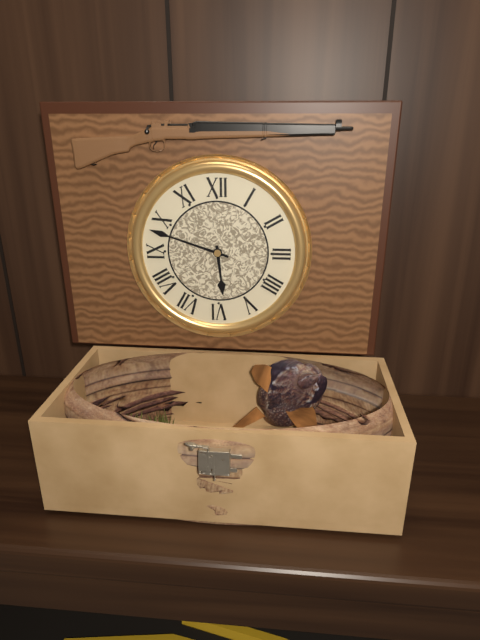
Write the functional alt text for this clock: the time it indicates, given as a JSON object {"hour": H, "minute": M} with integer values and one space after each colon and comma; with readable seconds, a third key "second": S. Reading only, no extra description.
{"hour": 5, "minute": 48}
